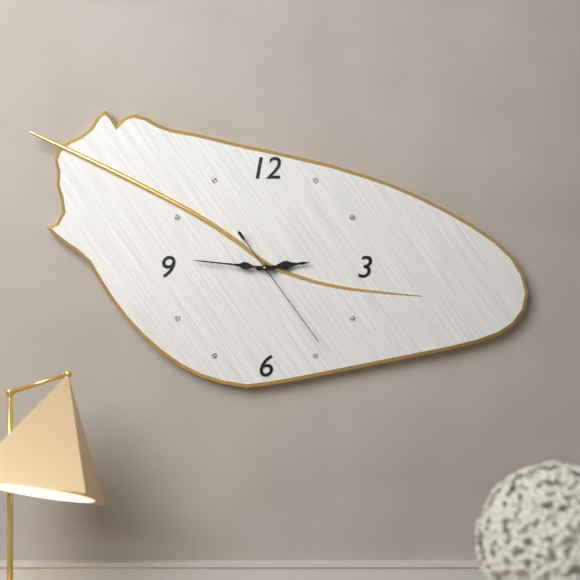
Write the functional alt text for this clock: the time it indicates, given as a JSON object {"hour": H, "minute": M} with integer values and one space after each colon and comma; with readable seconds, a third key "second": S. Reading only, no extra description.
{"hour": 2, "minute": 46, "second": 24}
